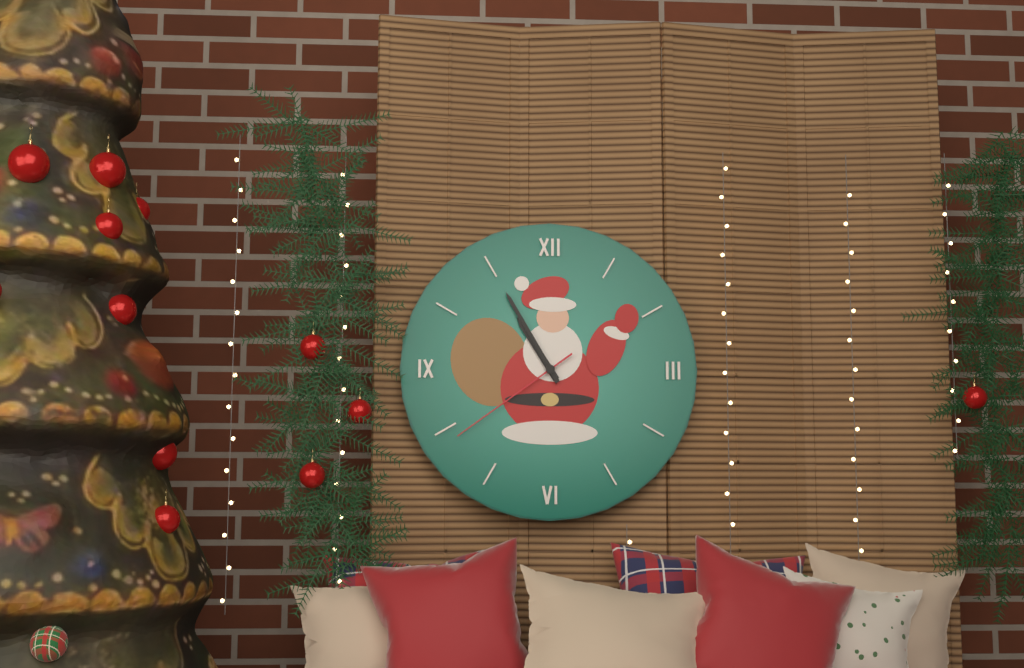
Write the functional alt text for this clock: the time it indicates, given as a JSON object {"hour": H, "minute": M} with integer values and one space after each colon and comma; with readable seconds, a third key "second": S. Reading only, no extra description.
{"hour": 10, "minute": 55, "second": 39}
